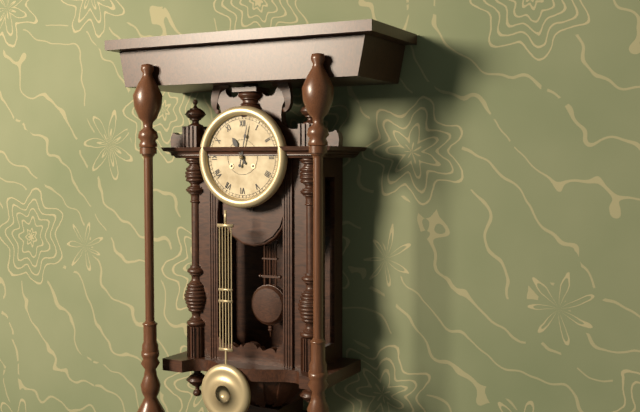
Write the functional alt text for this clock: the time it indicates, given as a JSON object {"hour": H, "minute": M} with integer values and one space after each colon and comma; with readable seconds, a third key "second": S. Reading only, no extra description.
{"hour": 11, "minute": 2}
